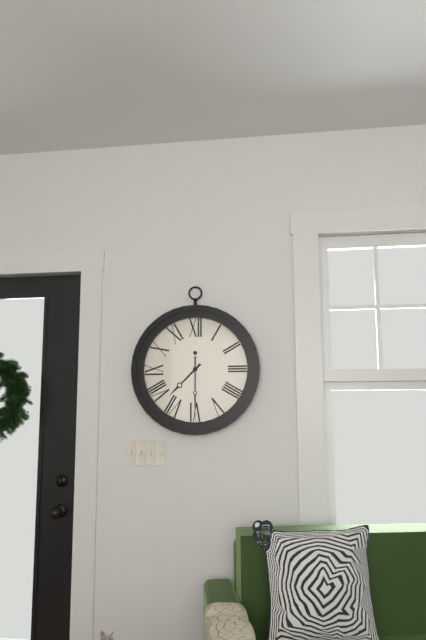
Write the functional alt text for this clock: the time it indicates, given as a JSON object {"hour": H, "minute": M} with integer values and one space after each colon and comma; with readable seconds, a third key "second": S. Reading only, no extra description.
{"hour": 7, "minute": 30}
